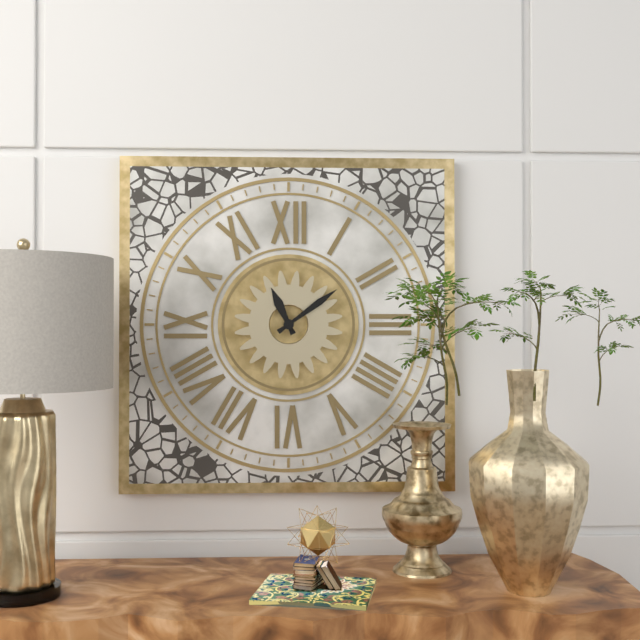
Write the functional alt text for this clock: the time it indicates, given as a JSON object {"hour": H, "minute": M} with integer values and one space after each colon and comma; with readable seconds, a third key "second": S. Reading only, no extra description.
{"hour": 11, "minute": 9}
